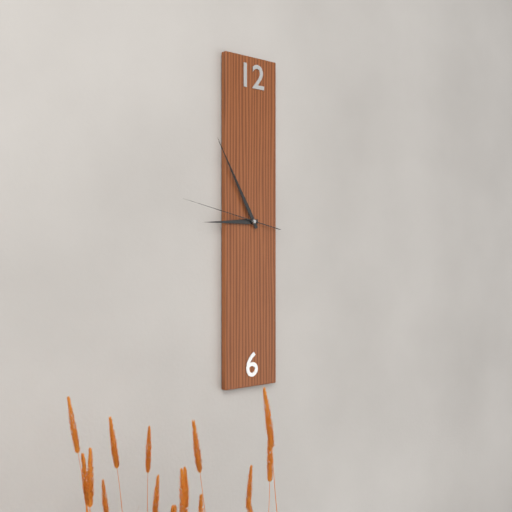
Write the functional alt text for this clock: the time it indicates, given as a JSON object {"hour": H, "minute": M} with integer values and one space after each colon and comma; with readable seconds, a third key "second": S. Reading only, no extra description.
{"hour": 8, "minute": 55, "second": 47}
